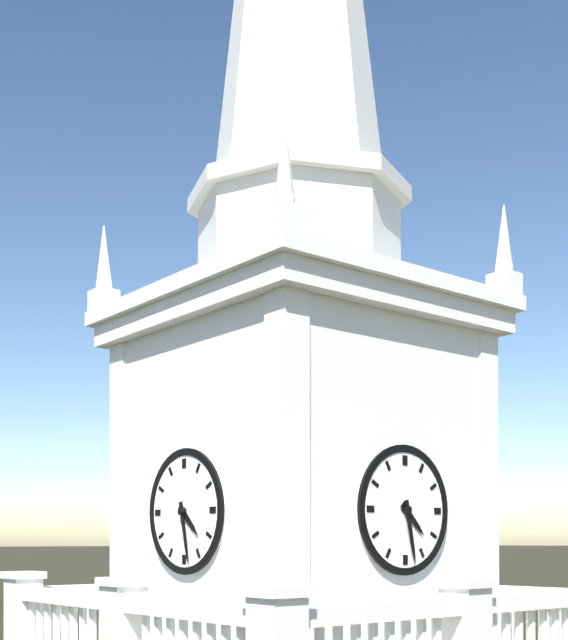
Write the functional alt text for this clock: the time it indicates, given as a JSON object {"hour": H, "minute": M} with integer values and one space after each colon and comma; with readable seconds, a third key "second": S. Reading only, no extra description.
{"hour": 4, "minute": 28}
